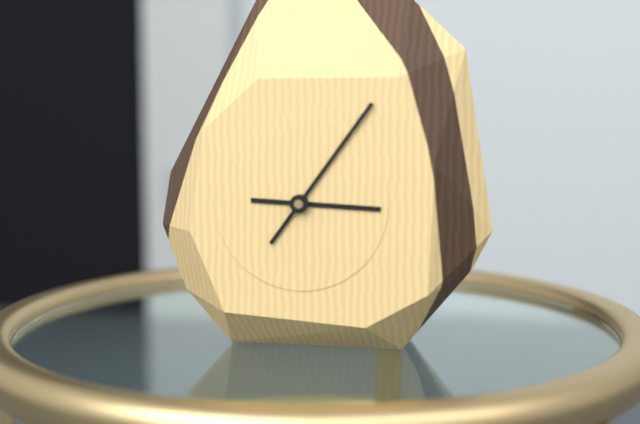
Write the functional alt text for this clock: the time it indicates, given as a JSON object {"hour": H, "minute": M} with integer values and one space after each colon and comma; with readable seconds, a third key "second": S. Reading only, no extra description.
{"hour": 3, "minute": 6}
